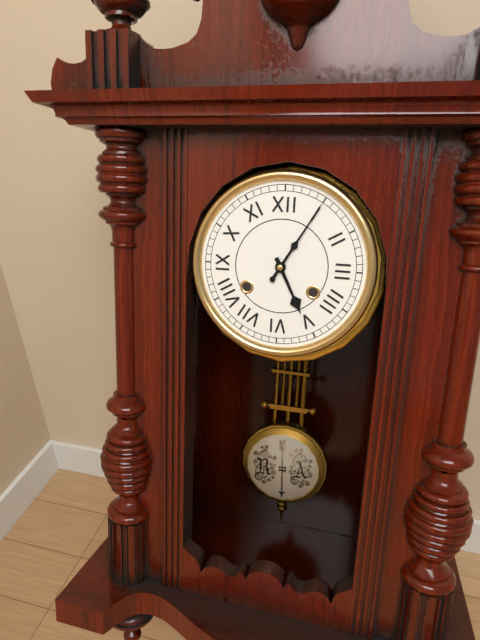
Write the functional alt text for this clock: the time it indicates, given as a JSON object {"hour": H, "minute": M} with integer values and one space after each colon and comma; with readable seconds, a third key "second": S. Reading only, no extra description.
{"hour": 5, "minute": 5}
